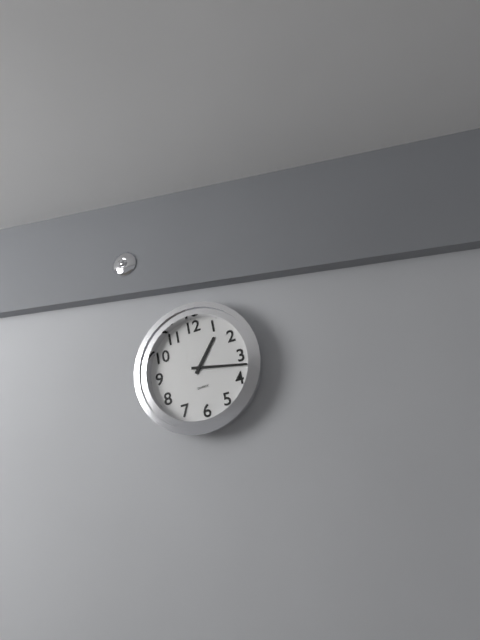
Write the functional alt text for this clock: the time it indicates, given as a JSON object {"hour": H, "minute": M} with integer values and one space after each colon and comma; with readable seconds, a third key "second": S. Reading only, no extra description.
{"hour": 1, "minute": 17}
